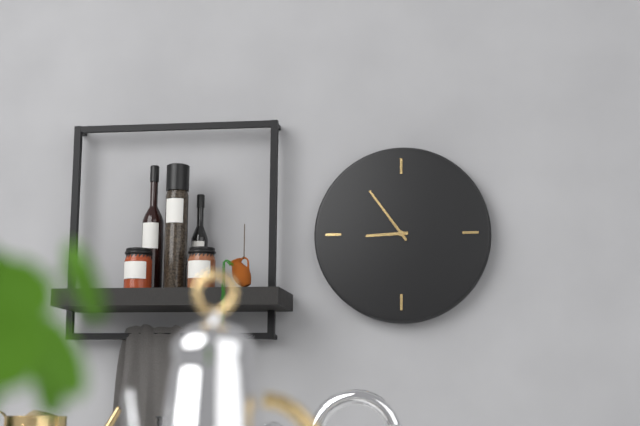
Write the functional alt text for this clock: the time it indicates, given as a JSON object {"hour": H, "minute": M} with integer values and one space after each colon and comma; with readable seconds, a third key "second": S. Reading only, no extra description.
{"hour": 8, "minute": 54}
